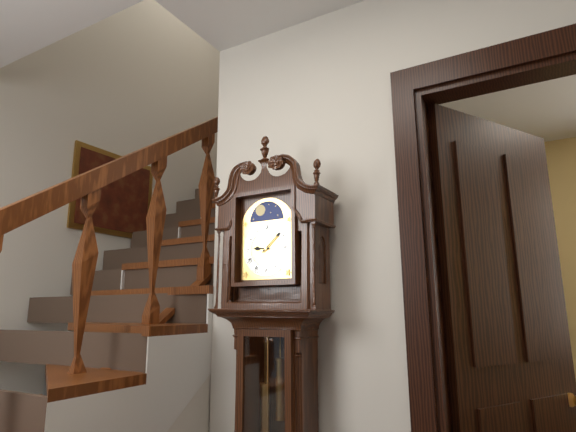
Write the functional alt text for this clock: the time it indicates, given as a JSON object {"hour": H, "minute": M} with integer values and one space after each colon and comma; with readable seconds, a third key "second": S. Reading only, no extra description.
{"hour": 9, "minute": 8}
